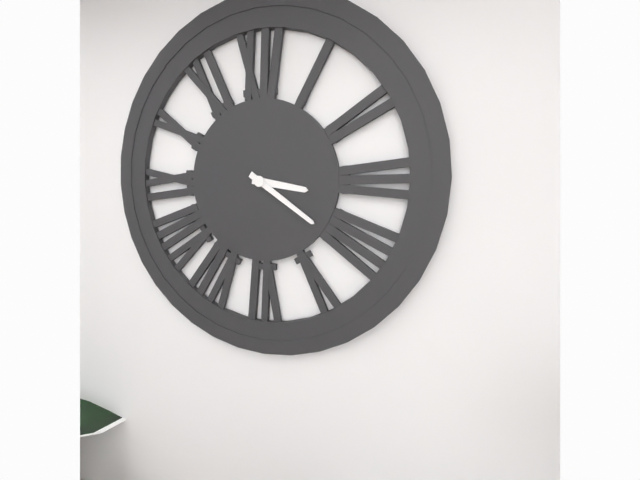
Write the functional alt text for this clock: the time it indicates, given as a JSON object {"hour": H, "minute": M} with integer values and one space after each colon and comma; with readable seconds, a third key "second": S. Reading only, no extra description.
{"hour": 3, "minute": 21}
